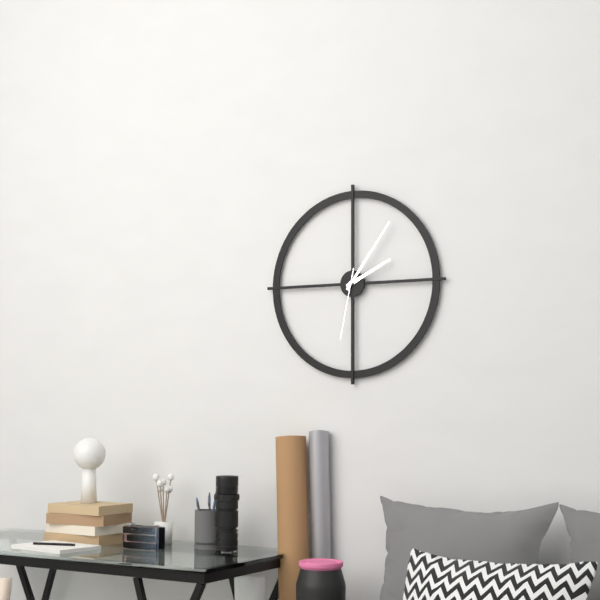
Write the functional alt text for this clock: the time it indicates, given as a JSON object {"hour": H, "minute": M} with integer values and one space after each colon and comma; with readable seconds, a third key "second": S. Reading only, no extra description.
{"hour": 2, "minute": 6, "second": 32}
